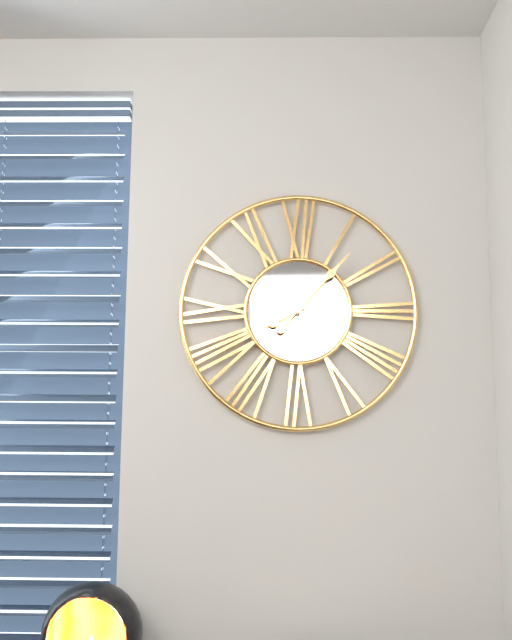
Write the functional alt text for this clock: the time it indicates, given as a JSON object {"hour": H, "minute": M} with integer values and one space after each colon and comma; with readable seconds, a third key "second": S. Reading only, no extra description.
{"hour": 8, "minute": 7}
